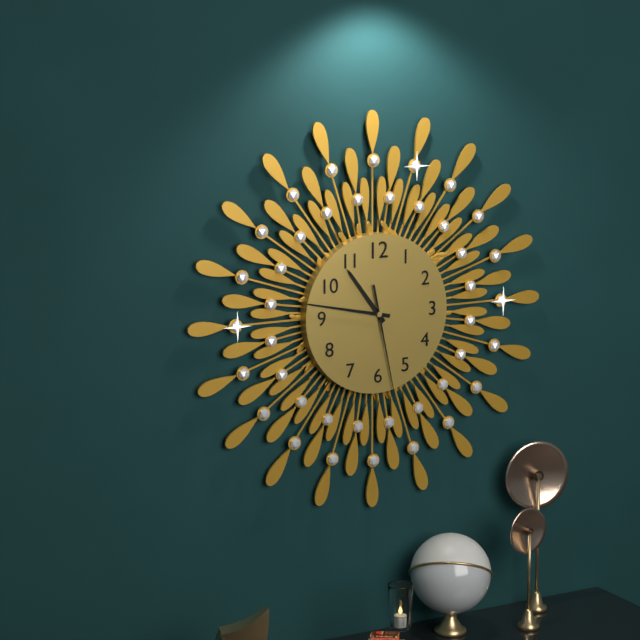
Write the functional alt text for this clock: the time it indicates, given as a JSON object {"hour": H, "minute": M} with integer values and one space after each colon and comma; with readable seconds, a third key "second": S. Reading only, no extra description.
{"hour": 10, "minute": 47, "second": 28}
